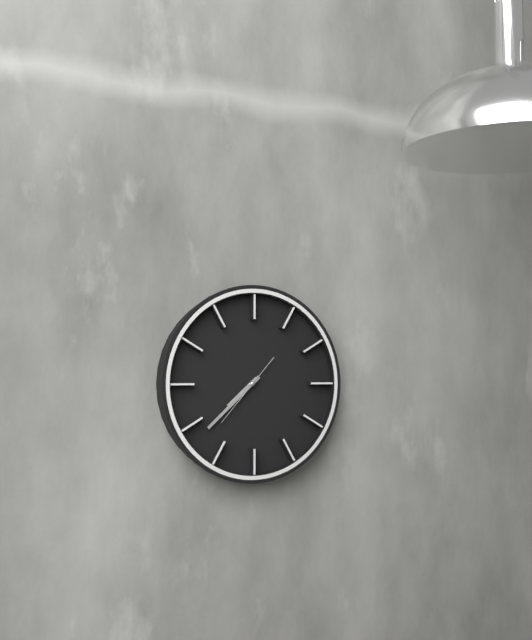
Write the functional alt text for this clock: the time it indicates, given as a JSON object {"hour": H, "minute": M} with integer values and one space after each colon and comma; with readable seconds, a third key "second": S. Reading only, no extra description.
{"hour": 7, "minute": 38, "second": 37}
